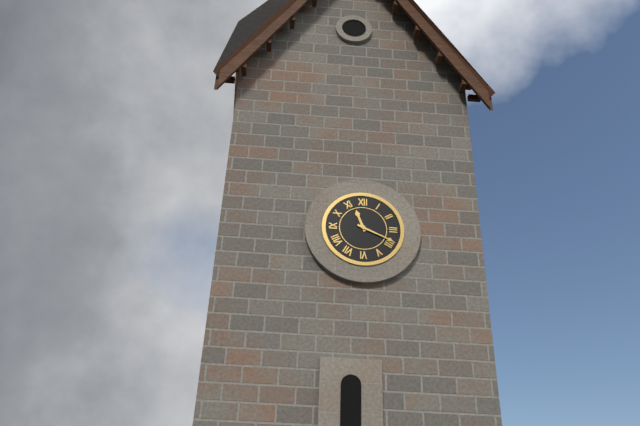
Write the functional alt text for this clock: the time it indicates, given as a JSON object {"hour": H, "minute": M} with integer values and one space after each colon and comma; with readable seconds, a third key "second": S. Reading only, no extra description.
{"hour": 11, "minute": 19}
